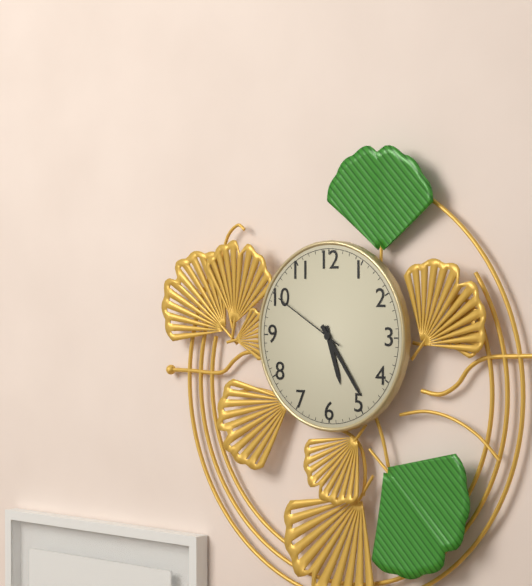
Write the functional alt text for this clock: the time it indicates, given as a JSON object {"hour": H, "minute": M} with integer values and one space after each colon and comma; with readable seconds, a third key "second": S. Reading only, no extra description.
{"hour": 5, "minute": 24, "second": 50}
